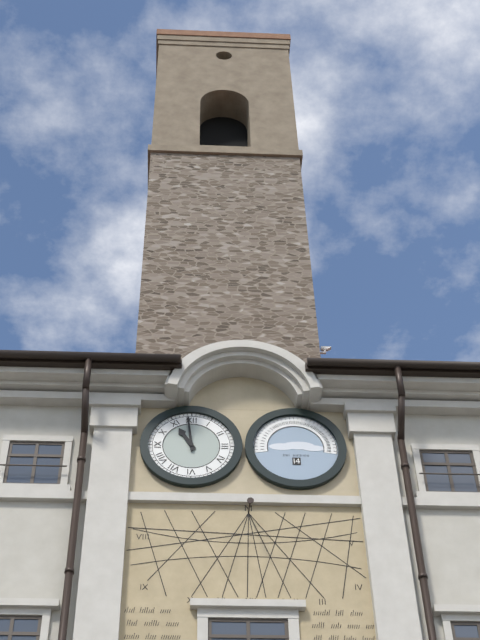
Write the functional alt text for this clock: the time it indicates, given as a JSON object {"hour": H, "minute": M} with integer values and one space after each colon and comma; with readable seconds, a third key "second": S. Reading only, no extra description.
{"hour": 10, "minute": 59}
